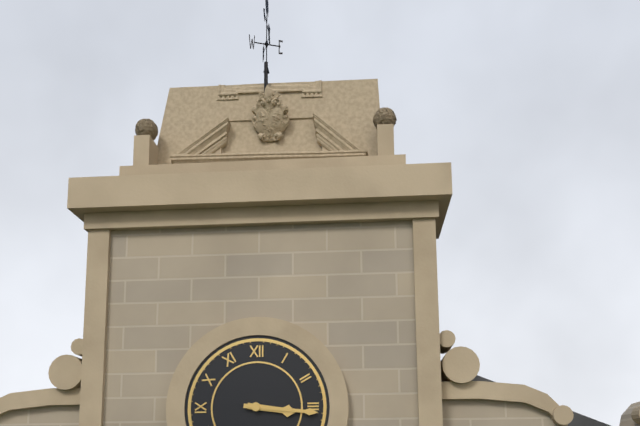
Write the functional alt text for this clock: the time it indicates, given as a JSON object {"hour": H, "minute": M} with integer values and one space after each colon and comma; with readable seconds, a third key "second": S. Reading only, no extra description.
{"hour": 3, "minute": 16}
